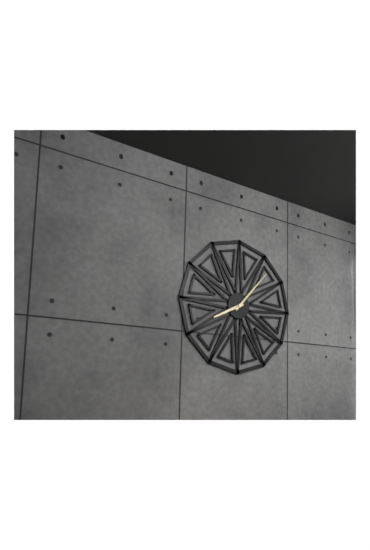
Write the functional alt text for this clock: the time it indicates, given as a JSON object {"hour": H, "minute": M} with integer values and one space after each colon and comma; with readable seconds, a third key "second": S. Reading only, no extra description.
{"hour": 8, "minute": 7}
